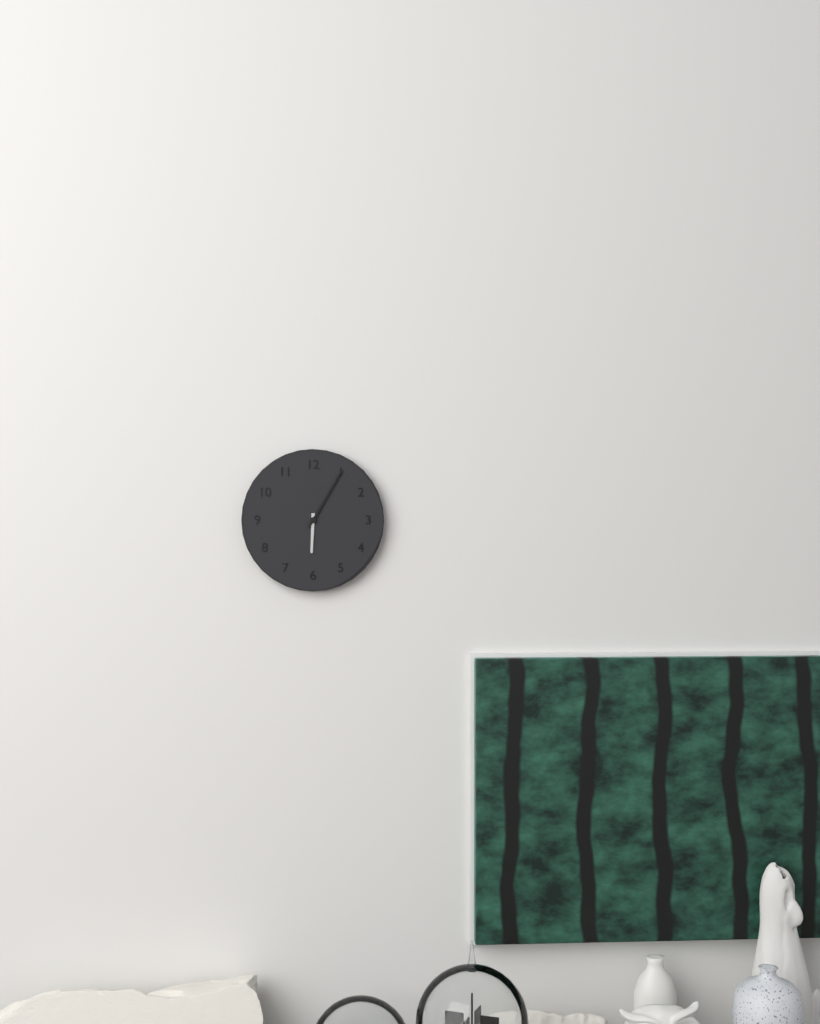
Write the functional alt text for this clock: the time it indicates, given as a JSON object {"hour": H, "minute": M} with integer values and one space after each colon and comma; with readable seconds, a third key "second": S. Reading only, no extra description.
{"hour": 6, "minute": 5}
